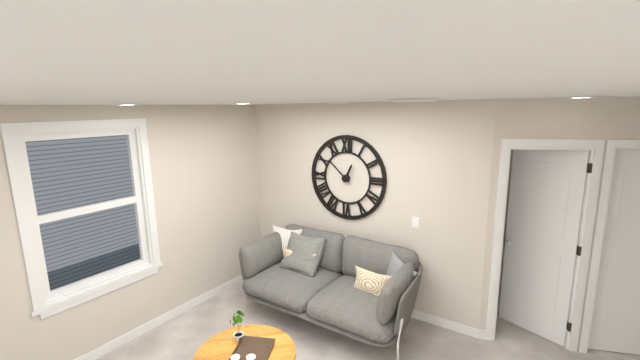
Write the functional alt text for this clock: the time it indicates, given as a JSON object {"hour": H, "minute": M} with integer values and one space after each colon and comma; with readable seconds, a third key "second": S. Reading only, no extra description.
{"hour": 12, "minute": 52}
